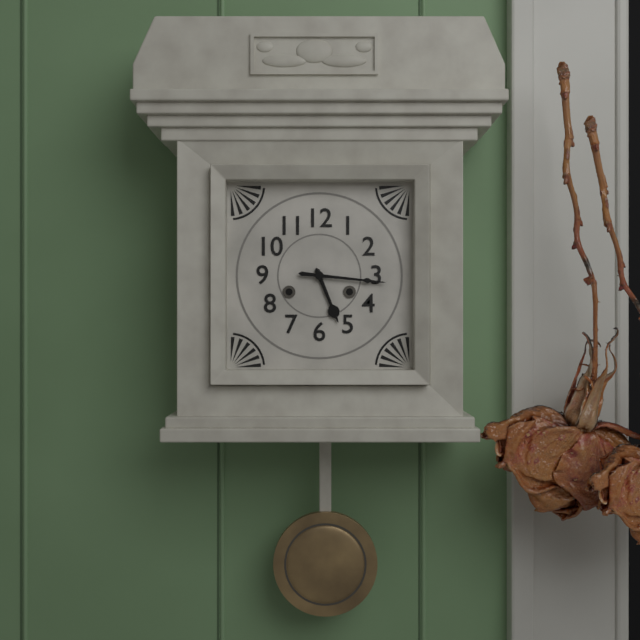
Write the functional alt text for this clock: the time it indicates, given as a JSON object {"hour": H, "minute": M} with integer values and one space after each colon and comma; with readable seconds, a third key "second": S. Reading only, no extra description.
{"hour": 5, "minute": 16}
